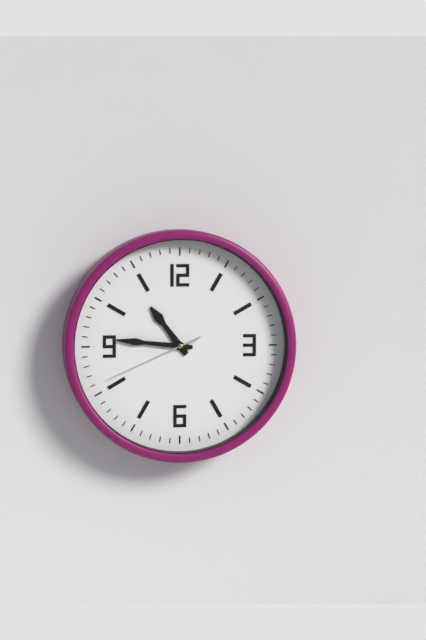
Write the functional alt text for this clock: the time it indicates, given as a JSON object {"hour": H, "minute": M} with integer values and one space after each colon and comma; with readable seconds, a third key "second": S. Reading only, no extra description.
{"hour": 10, "minute": 46, "second": 41}
